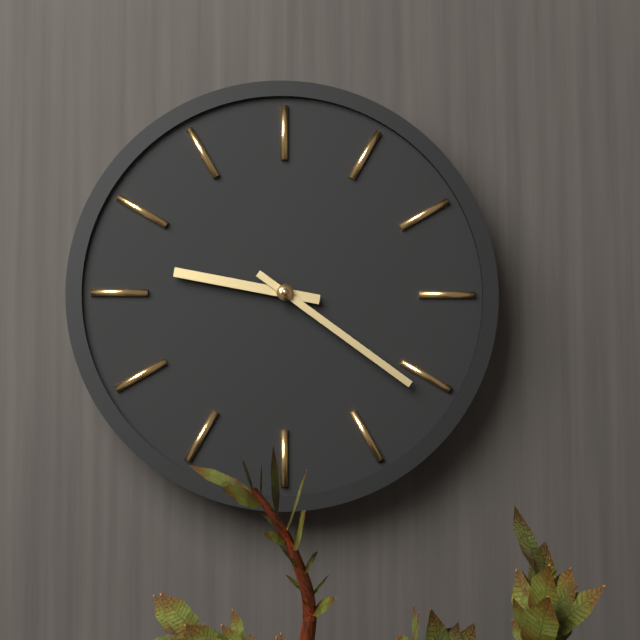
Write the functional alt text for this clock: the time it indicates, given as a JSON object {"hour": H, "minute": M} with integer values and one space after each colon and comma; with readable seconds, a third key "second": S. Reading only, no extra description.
{"hour": 9, "minute": 21}
